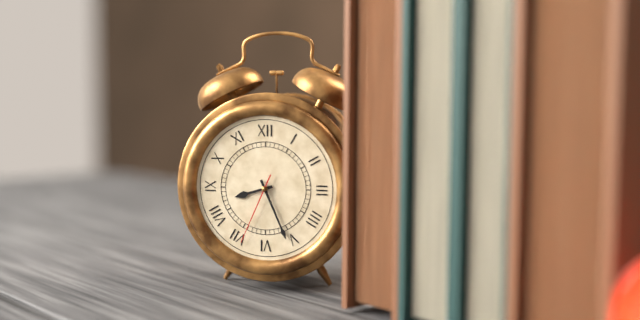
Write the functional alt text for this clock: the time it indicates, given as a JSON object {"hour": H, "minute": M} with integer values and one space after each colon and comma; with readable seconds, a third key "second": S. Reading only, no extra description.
{"hour": 8, "minute": 26, "second": 34}
